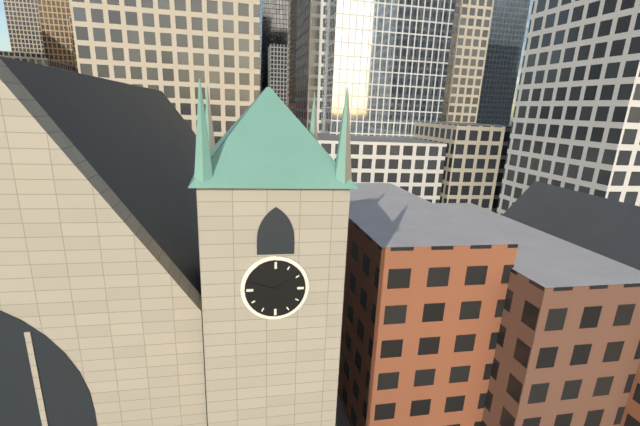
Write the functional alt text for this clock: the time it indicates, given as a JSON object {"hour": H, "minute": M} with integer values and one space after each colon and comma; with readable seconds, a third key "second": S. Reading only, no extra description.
{"hour": 1, "minute": 48}
